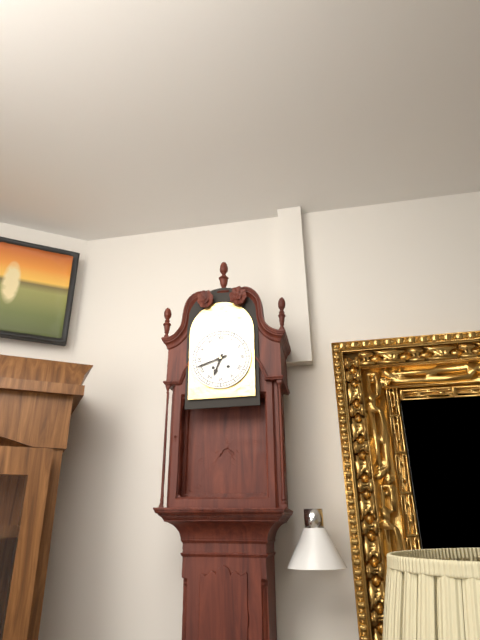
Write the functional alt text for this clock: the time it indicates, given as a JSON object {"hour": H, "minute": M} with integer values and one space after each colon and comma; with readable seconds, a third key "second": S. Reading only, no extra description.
{"hour": 6, "minute": 42}
